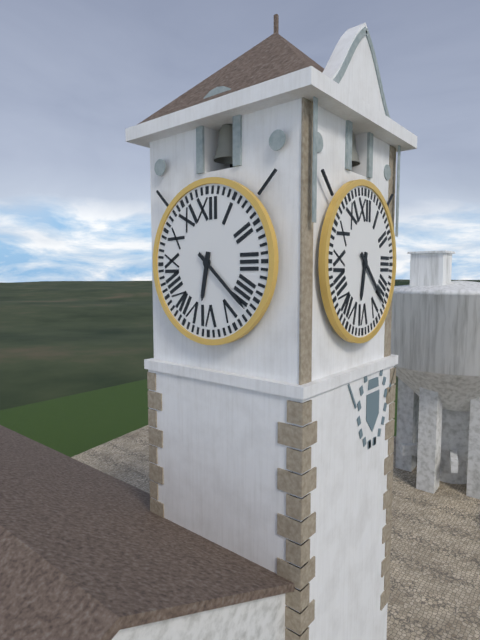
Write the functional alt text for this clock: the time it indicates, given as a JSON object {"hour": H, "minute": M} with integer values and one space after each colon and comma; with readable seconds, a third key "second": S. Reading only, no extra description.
{"hour": 6, "minute": 22}
